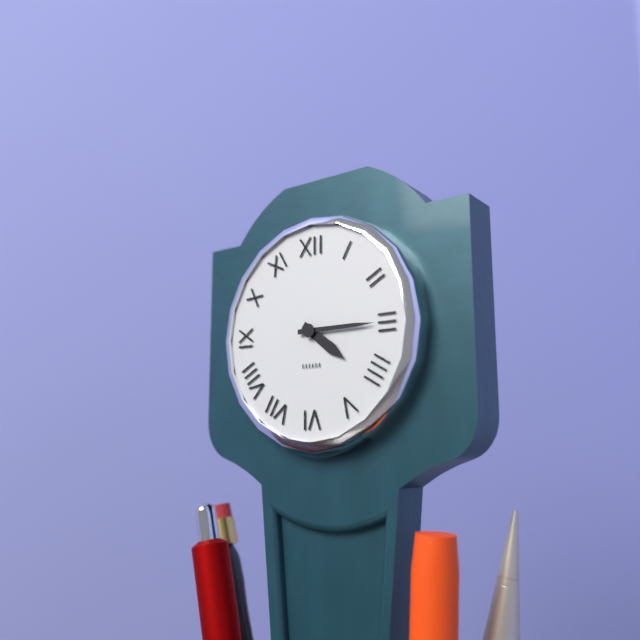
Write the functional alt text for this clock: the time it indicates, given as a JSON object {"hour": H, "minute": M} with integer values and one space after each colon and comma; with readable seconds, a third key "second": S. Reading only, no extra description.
{"hour": 4, "minute": 15}
